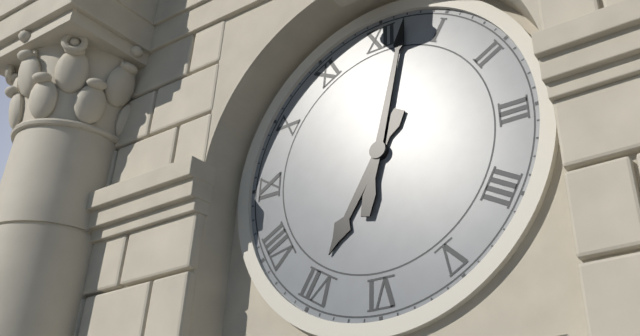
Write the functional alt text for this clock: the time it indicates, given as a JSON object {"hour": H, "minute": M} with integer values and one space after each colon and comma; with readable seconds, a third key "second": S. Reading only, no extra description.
{"hour": 7, "minute": 2}
